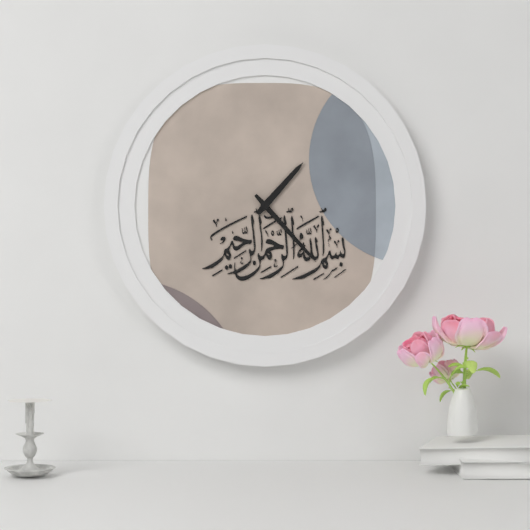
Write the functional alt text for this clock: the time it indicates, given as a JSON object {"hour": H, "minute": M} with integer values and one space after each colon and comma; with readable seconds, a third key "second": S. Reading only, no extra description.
{"hour": 1, "minute": 23}
